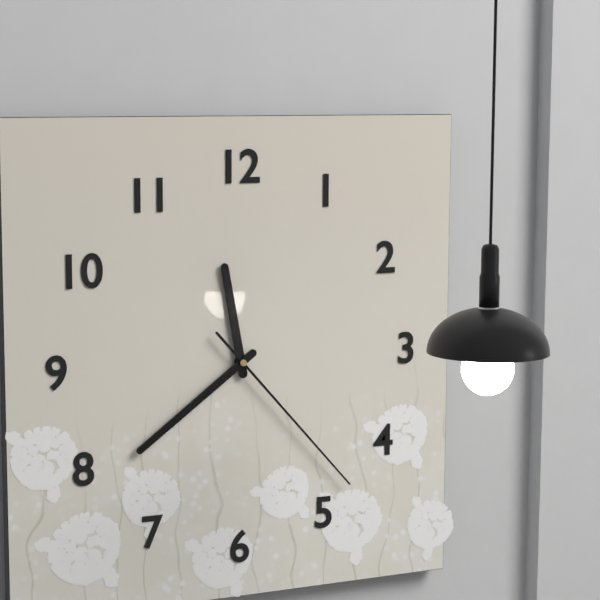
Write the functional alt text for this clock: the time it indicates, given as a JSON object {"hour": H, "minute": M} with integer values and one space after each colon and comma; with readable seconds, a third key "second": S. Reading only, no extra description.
{"hour": 11, "minute": 39, "second": 23}
